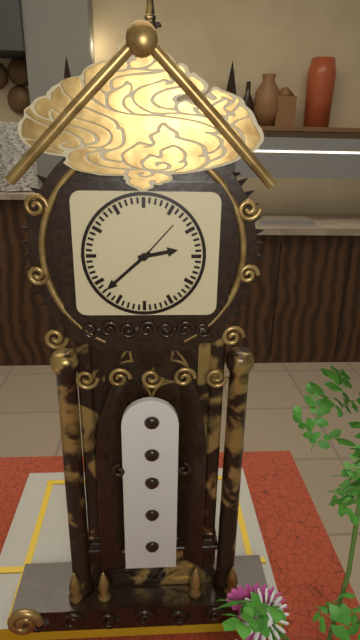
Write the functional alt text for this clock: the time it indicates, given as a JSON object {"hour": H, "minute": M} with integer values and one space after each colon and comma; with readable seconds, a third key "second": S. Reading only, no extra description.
{"hour": 2, "minute": 38, "second": 7}
